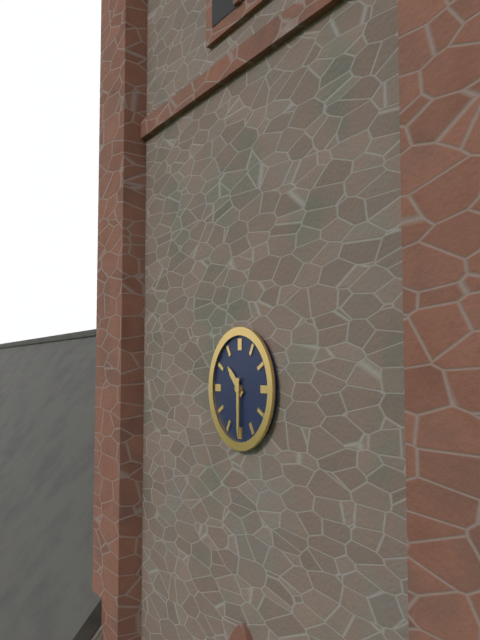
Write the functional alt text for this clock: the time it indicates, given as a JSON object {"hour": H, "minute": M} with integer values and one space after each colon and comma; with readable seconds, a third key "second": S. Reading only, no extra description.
{"hour": 10, "minute": 30}
